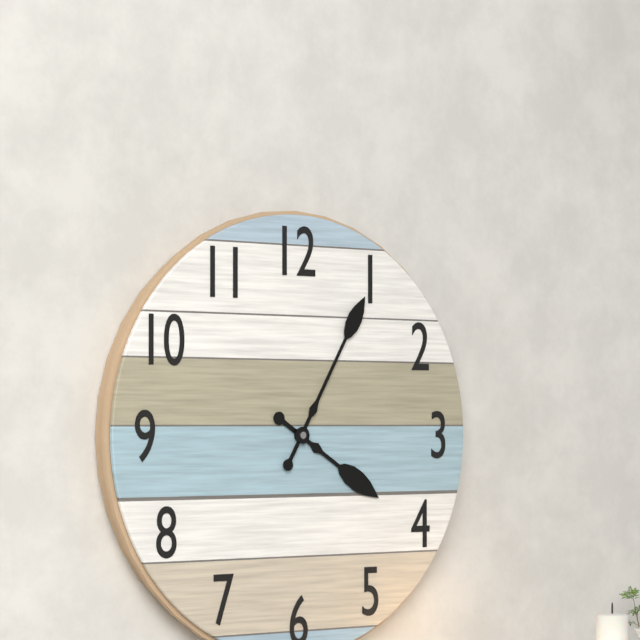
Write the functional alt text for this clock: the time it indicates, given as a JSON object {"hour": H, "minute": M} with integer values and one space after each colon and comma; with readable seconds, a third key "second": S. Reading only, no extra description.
{"hour": 4, "minute": 5}
